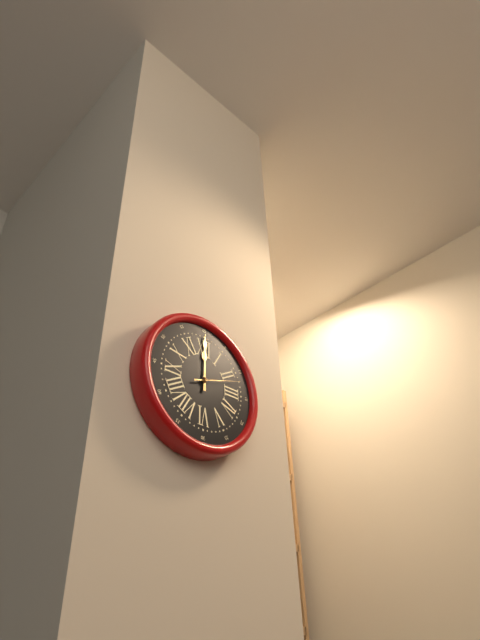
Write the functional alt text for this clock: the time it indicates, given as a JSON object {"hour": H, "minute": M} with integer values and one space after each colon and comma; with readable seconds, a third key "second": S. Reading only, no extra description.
{"hour": 12, "minute": 0}
